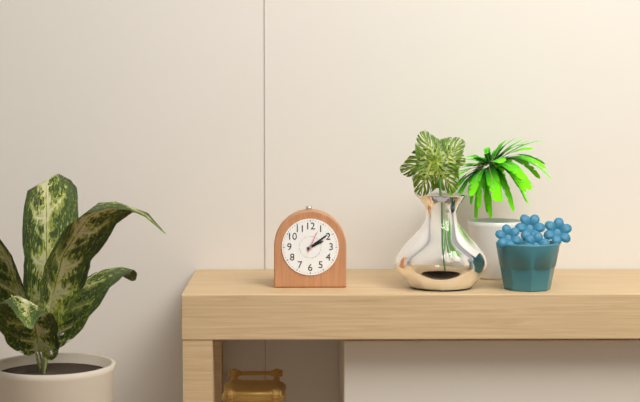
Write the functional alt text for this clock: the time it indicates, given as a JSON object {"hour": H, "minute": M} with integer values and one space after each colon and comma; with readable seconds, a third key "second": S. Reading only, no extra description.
{"hour": 2, "minute": 9}
